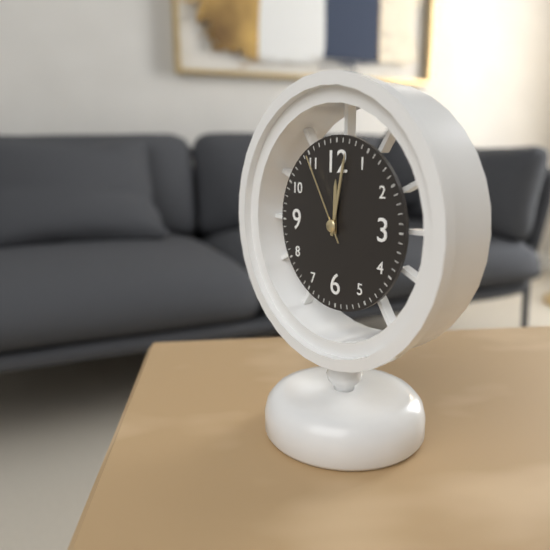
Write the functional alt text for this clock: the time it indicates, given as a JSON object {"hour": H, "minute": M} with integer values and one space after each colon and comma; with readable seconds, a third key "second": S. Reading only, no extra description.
{"hour": 12, "minute": 2, "second": 55}
